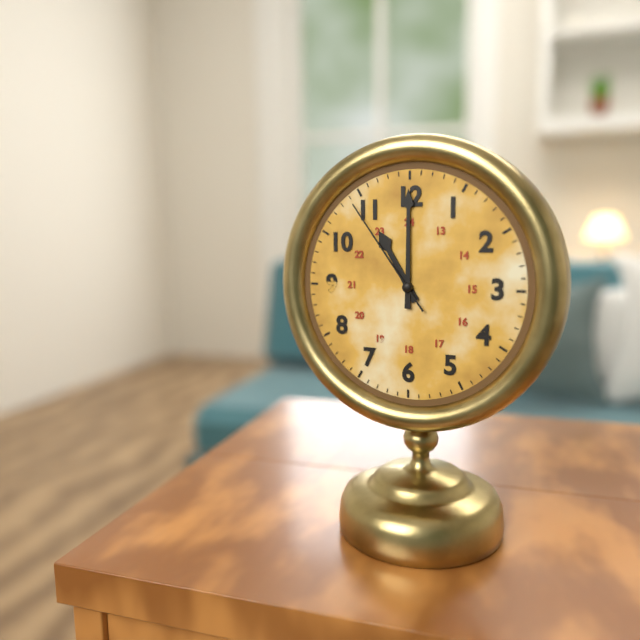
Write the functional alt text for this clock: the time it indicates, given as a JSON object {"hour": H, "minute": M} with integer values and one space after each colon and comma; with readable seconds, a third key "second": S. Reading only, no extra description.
{"hour": 11, "minute": 0, "second": 54}
